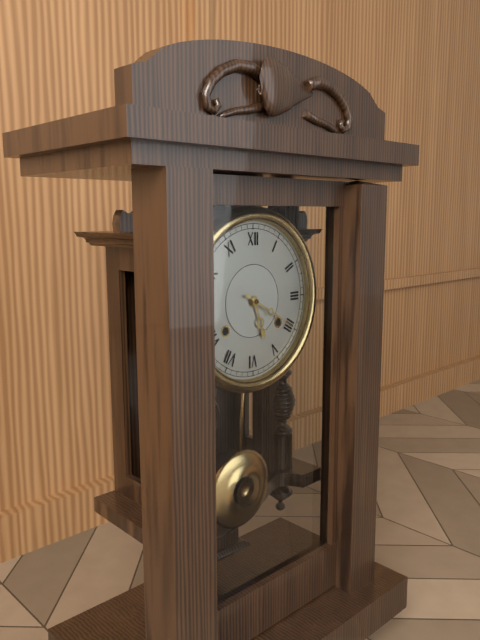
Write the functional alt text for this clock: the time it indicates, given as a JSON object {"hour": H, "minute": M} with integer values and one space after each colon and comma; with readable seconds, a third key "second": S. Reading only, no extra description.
{"hour": 5, "minute": 20}
